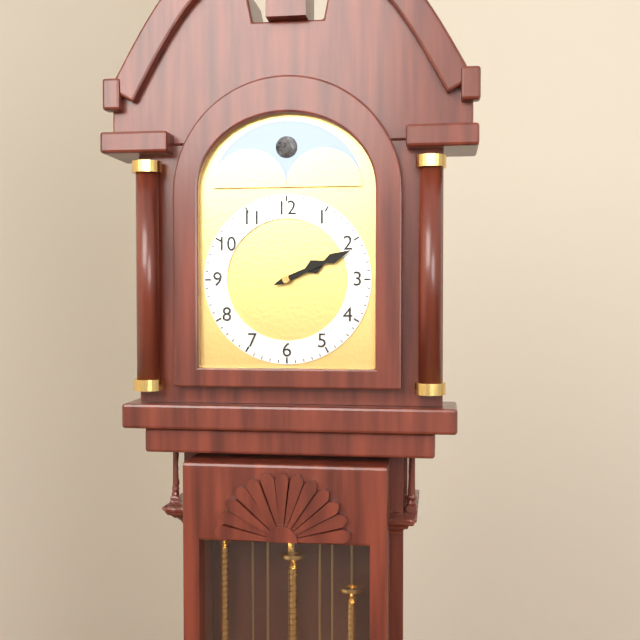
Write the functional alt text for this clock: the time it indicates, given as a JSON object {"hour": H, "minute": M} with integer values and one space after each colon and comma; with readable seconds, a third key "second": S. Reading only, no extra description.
{"hour": 2, "minute": 11}
